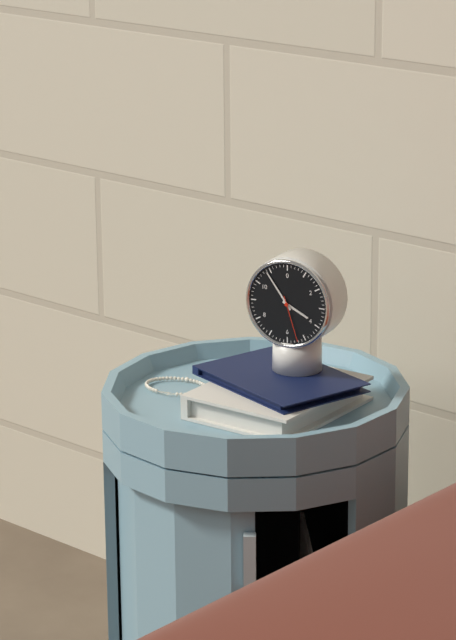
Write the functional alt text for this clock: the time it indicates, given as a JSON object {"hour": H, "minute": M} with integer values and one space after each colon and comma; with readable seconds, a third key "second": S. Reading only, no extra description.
{"hour": 3, "minute": 54}
